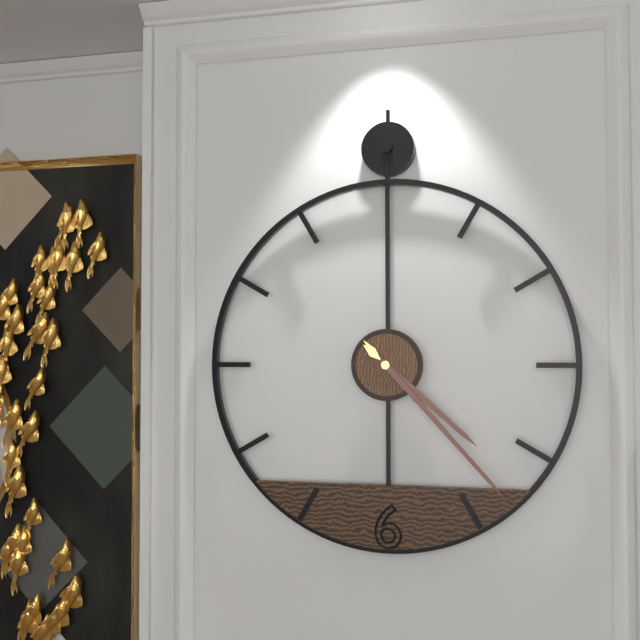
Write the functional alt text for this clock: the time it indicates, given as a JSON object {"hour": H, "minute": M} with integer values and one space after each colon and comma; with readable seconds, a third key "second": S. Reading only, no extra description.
{"hour": 4, "minute": 23}
